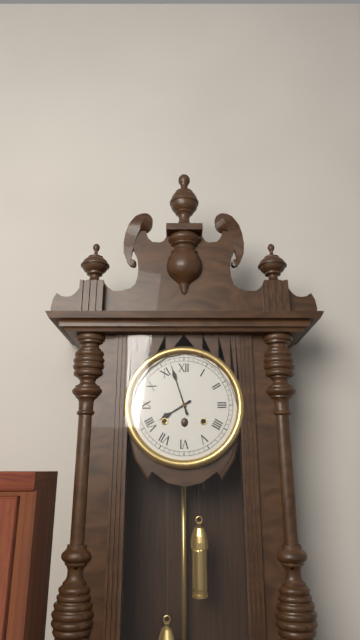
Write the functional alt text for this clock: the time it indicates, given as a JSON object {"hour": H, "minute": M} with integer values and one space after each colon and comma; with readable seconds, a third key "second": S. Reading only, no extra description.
{"hour": 7, "minute": 57}
